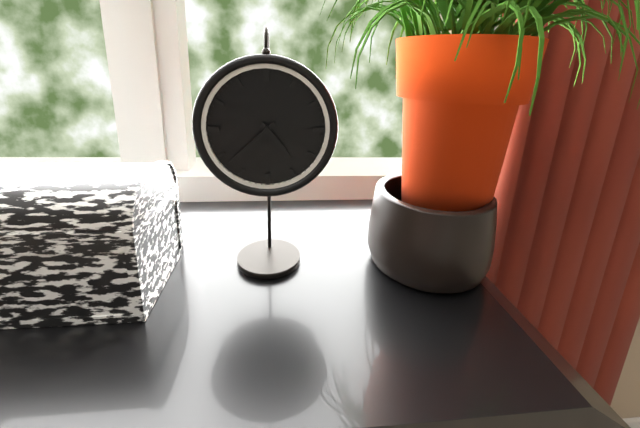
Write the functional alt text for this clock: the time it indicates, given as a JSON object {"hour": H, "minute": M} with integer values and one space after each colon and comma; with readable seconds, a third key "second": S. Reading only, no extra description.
{"hour": 4, "minute": 38}
